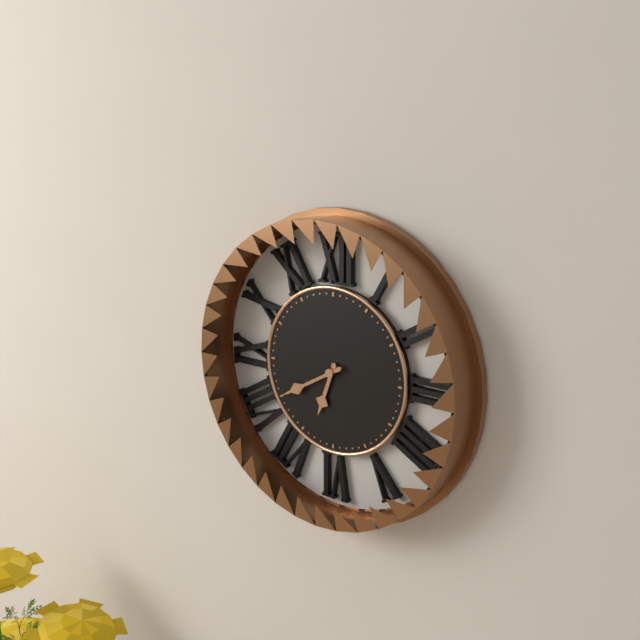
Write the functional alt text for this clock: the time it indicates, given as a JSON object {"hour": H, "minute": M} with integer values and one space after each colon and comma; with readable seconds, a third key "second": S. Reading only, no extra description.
{"hour": 6, "minute": 40}
